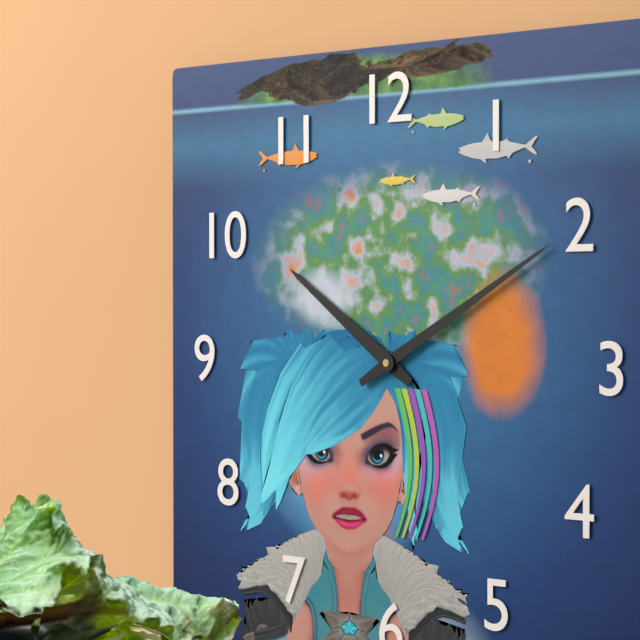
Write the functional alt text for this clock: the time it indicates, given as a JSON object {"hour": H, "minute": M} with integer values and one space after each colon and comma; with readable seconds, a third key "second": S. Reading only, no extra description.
{"hour": 10, "minute": 10}
